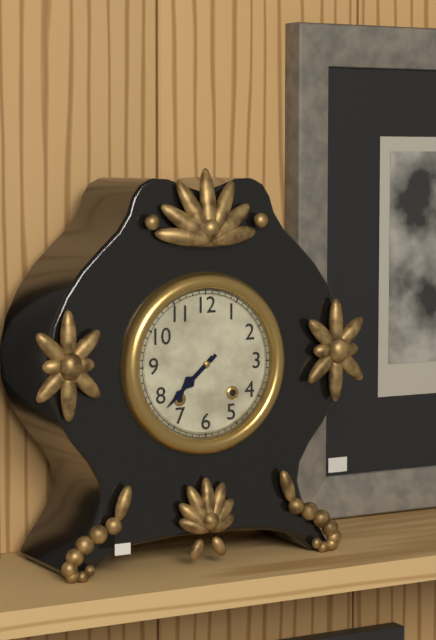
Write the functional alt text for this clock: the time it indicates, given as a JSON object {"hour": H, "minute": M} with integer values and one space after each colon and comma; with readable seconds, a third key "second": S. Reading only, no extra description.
{"hour": 7, "minute": 38}
